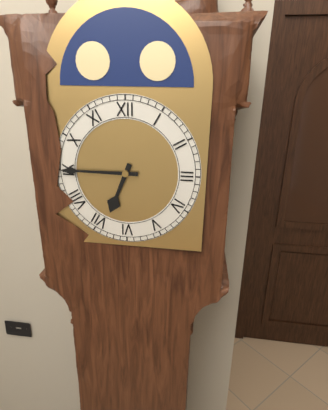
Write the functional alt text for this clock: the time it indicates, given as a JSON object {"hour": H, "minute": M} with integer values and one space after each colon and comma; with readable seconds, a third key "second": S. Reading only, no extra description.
{"hour": 6, "minute": 45}
